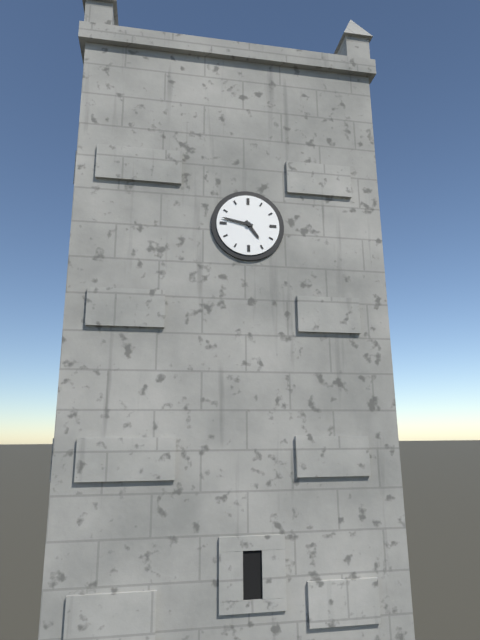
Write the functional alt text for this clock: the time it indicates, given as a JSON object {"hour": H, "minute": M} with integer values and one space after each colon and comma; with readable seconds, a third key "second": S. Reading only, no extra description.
{"hour": 4, "minute": 47}
